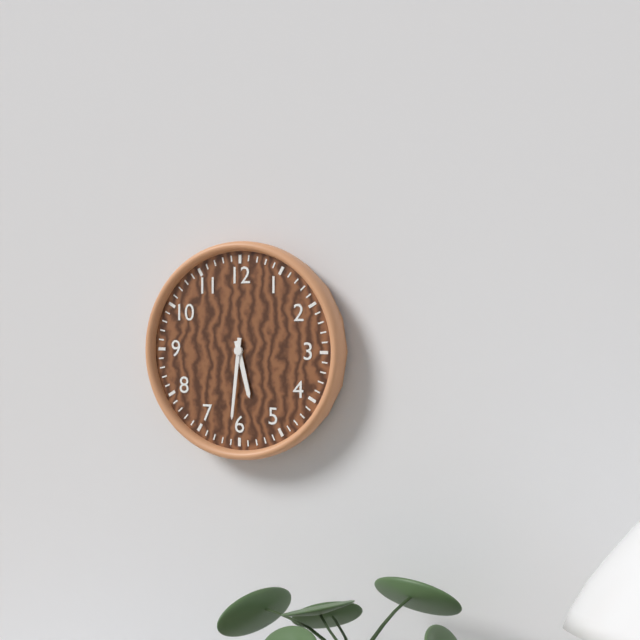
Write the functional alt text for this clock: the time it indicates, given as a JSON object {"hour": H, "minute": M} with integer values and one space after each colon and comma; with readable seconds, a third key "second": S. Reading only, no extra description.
{"hour": 5, "minute": 31}
